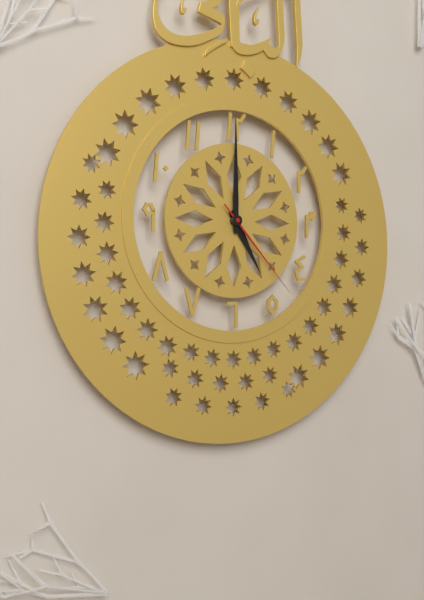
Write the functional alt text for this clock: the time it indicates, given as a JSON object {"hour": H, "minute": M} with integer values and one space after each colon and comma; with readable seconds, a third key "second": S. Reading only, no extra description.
{"hour": 5, "minute": 0, "second": 23}
